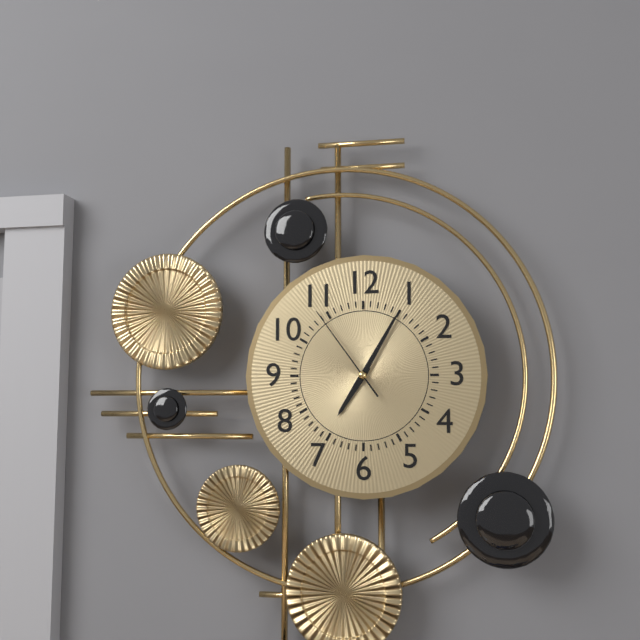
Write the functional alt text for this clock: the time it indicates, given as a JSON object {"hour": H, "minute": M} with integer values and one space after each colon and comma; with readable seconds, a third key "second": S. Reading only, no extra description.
{"hour": 7, "minute": 5, "second": 54}
